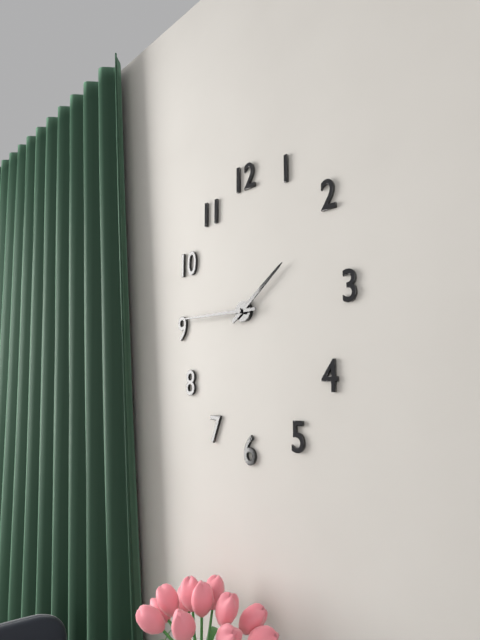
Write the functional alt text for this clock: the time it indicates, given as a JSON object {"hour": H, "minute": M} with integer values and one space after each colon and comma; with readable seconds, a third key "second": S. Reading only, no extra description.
{"hour": 1, "minute": 45}
